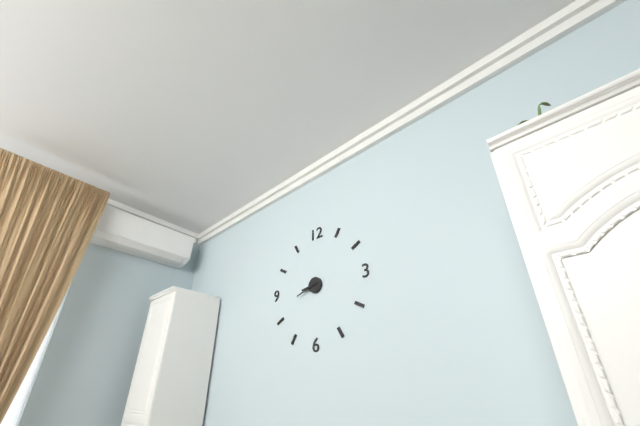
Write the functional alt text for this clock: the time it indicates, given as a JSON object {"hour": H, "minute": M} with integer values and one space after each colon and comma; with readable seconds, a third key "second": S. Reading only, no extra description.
{"hour": 8, "minute": 42}
